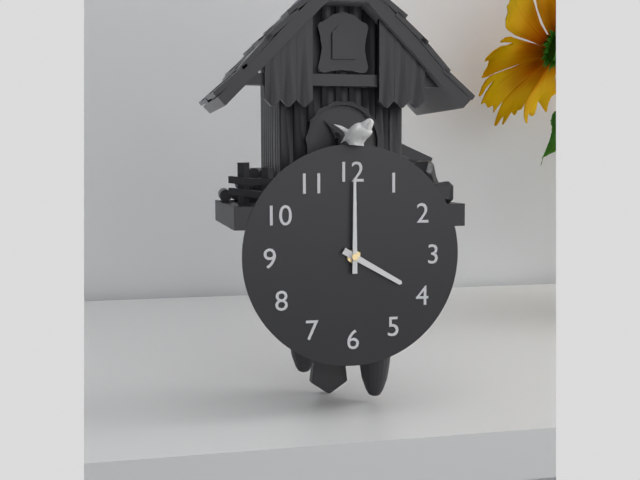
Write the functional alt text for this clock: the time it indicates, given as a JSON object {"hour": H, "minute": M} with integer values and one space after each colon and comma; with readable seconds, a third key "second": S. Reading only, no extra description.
{"hour": 4, "minute": 0}
